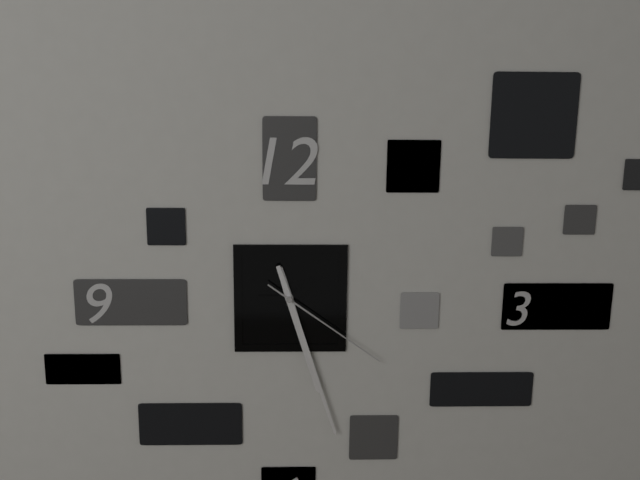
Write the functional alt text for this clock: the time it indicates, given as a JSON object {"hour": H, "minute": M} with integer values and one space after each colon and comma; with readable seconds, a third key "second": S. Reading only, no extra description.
{"hour": 5, "minute": 27, "second": 21}
